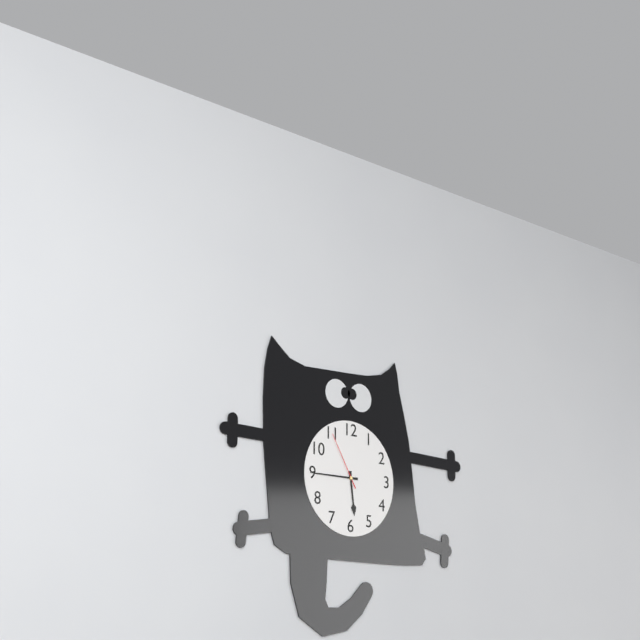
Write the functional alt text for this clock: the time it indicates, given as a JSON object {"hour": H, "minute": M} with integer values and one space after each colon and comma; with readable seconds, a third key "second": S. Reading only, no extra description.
{"hour": 5, "minute": 45, "second": 55}
